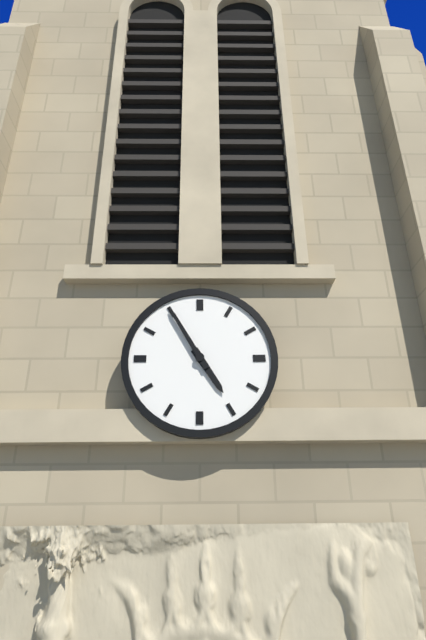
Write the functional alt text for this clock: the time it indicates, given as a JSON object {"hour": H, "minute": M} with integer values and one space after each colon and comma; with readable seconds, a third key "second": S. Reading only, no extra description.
{"hour": 4, "minute": 55}
